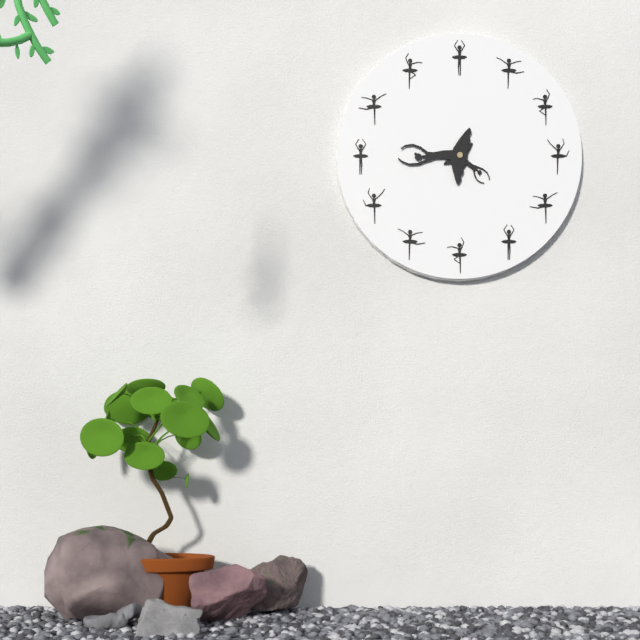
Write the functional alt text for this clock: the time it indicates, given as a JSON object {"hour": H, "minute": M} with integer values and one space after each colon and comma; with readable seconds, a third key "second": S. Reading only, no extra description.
{"hour": 4, "minute": 47}
